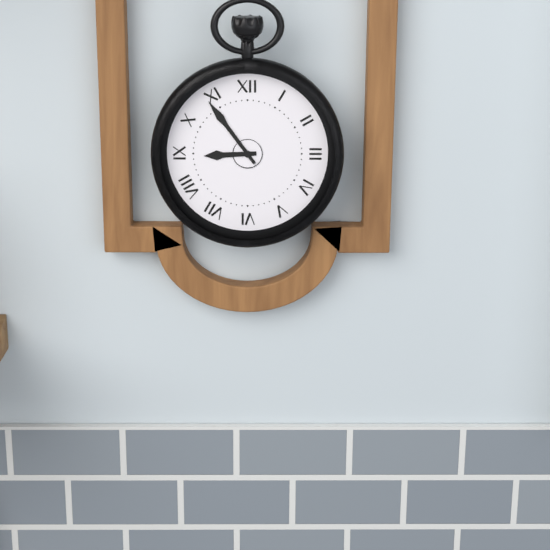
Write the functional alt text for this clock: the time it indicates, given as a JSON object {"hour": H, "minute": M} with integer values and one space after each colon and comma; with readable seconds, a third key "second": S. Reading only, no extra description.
{"hour": 8, "minute": 54}
